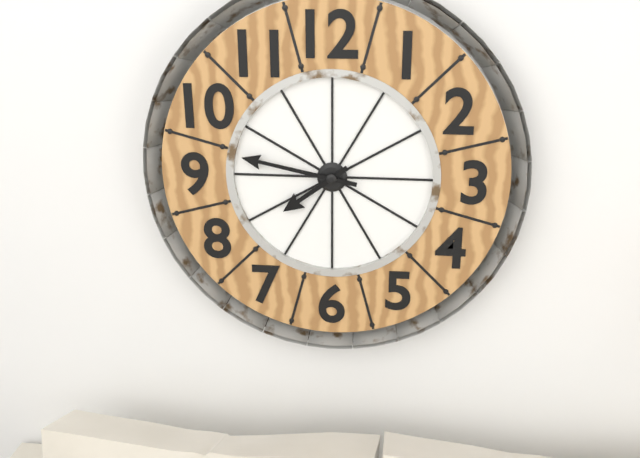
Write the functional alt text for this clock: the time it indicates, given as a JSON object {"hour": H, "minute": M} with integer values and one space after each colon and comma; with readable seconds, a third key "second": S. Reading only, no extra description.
{"hour": 7, "minute": 47}
